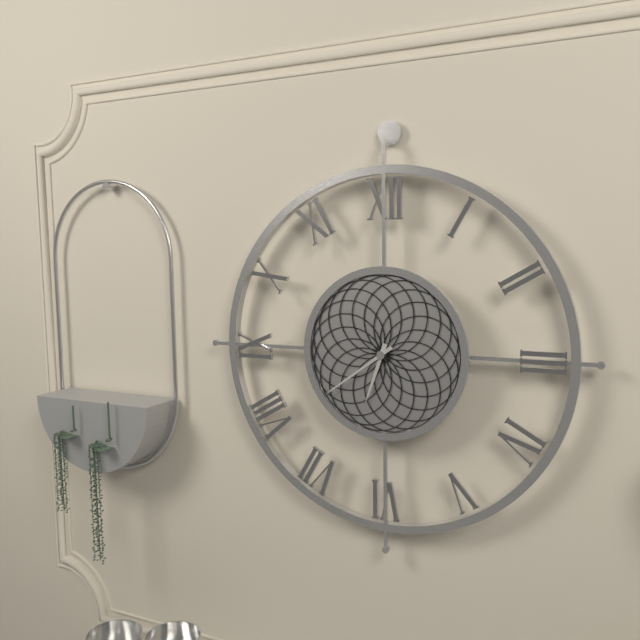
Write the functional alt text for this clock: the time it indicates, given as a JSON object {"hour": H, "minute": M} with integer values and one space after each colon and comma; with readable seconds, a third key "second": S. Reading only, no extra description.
{"hour": 6, "minute": 39}
